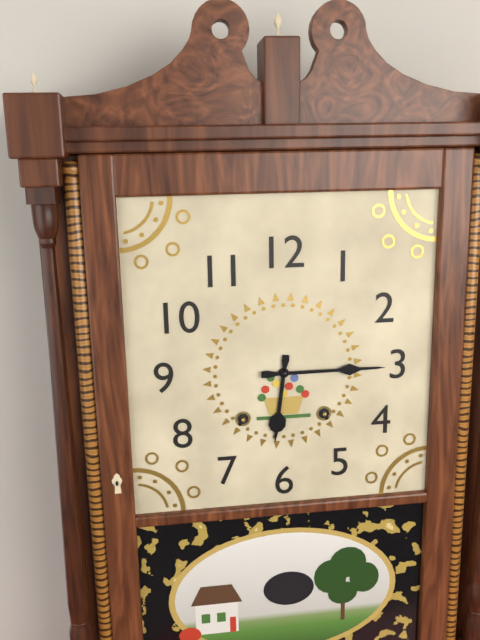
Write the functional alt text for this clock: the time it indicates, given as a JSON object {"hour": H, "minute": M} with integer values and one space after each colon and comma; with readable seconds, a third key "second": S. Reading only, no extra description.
{"hour": 6, "minute": 15}
